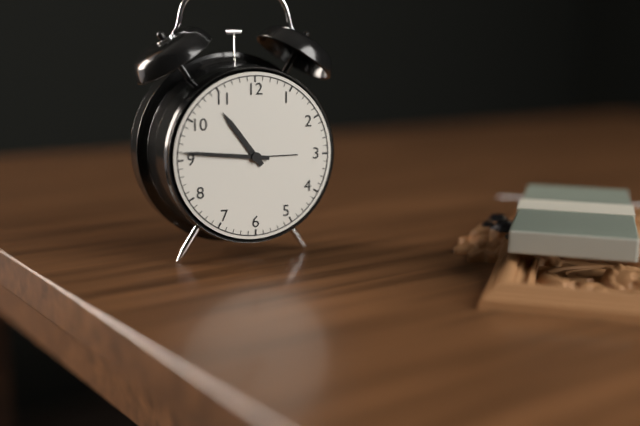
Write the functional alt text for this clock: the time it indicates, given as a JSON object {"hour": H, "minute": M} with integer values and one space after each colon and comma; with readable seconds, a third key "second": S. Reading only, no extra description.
{"hour": 10, "minute": 46}
